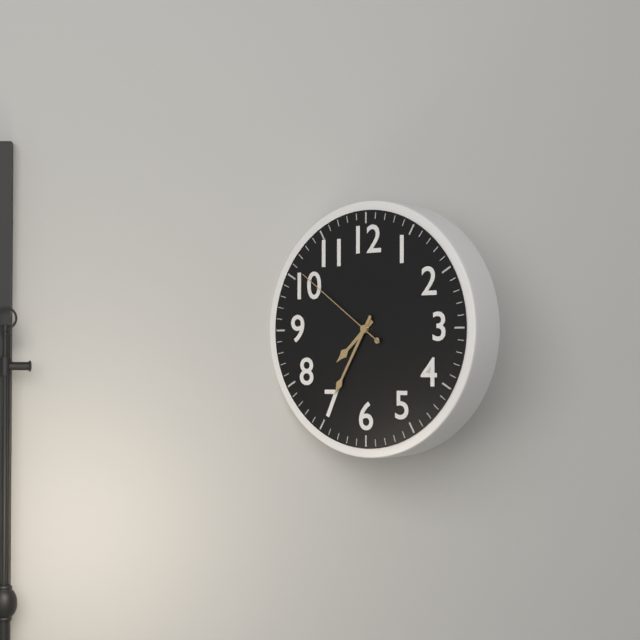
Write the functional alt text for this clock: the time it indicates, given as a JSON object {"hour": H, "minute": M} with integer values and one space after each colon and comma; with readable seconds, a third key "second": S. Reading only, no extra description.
{"hour": 7, "minute": 35, "second": 51}
